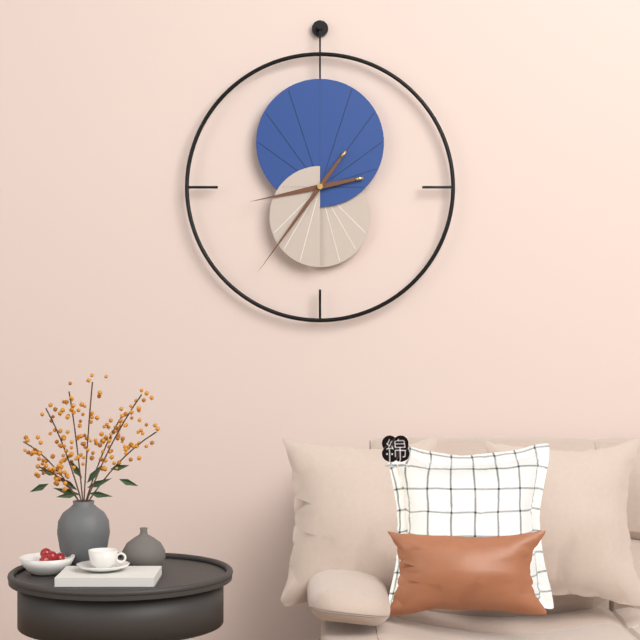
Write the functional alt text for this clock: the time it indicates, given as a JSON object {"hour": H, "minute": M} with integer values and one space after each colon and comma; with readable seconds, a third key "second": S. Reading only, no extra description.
{"hour": 8, "minute": 36}
